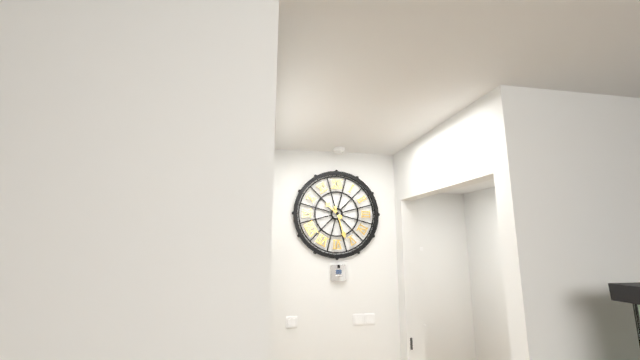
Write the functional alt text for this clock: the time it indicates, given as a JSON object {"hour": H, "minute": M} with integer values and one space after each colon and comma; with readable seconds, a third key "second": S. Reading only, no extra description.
{"hour": 10, "minute": 27}
